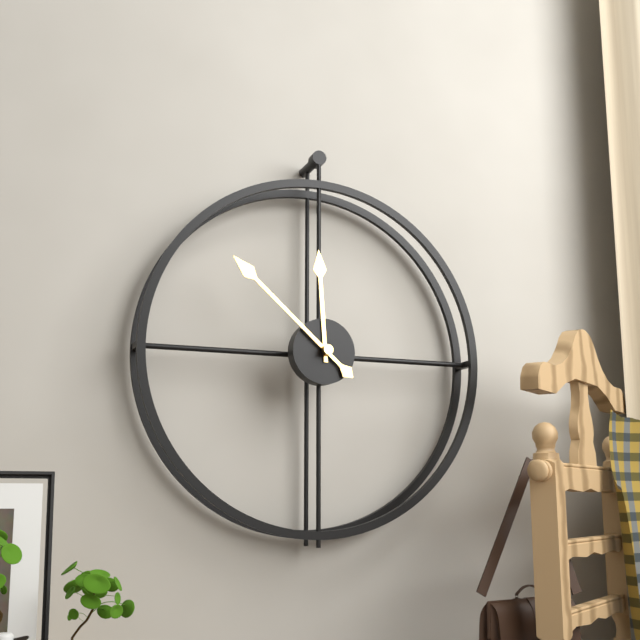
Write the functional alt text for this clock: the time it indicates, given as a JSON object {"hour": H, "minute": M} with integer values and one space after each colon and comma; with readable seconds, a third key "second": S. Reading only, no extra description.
{"hour": 11, "minute": 52}
